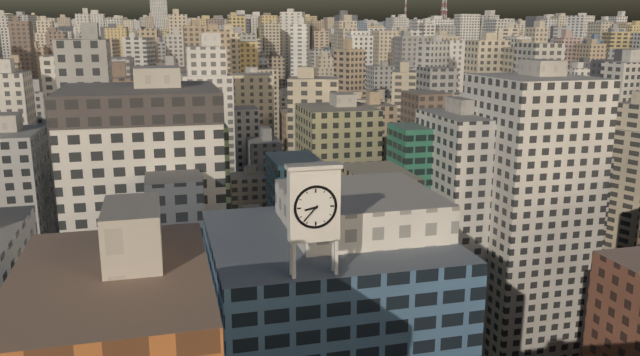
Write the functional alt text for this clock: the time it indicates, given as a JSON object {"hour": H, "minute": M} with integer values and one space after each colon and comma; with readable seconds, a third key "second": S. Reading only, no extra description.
{"hour": 8, "minute": 37}
